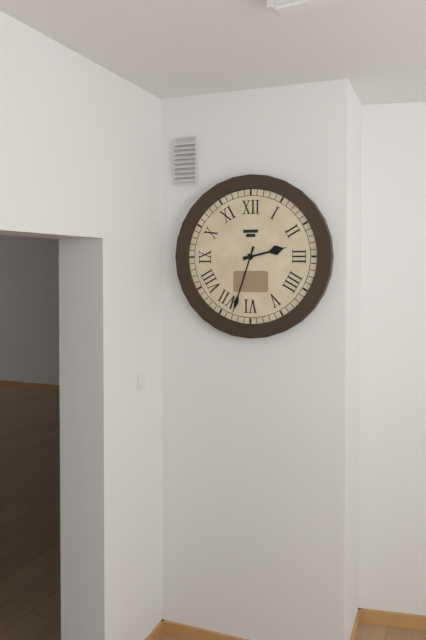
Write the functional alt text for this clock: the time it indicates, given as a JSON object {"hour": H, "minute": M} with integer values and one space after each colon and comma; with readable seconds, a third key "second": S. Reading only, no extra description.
{"hour": 2, "minute": 33}
